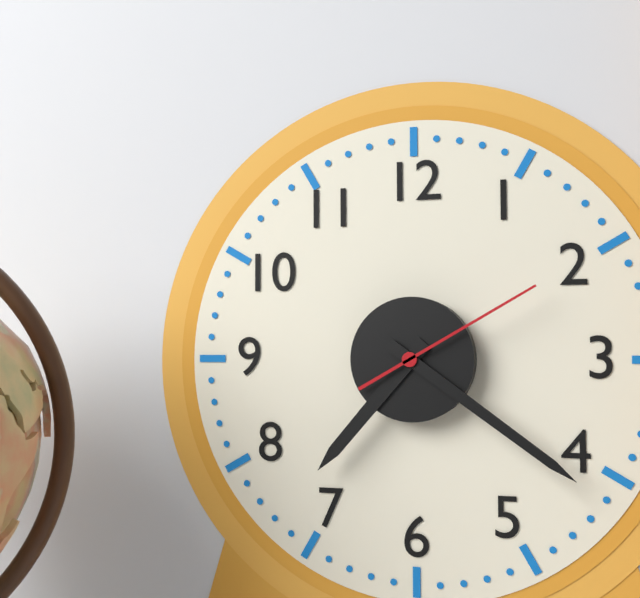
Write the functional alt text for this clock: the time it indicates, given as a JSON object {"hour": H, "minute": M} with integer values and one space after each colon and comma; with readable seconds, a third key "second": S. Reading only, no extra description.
{"hour": 7, "minute": 21, "second": 10}
